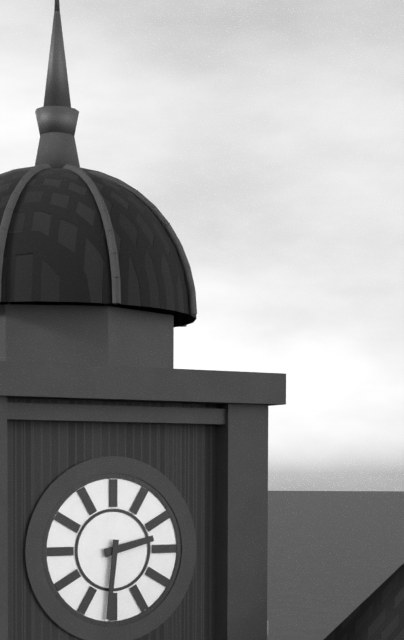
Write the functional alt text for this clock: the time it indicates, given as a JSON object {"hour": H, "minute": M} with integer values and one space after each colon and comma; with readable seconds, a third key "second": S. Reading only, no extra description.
{"hour": 2, "minute": 31}
